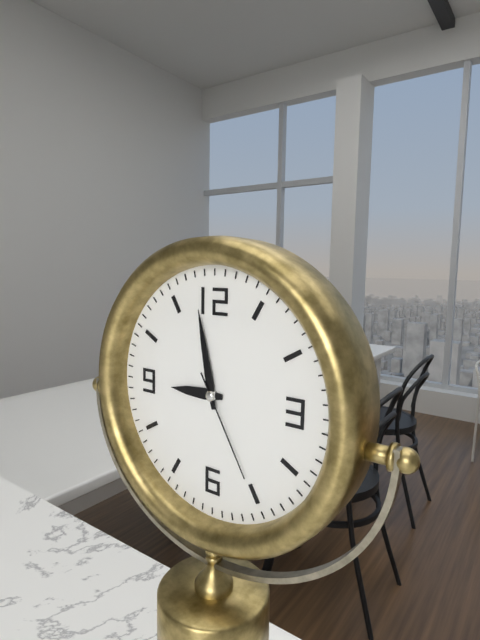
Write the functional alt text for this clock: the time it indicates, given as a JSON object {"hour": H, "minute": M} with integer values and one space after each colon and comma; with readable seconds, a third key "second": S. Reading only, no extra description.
{"hour": 8, "minute": 58, "second": 25}
